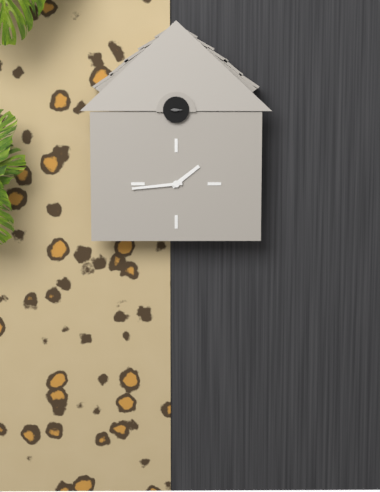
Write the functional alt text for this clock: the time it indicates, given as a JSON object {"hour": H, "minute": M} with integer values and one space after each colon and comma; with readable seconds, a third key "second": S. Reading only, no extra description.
{"hour": 1, "minute": 44}
